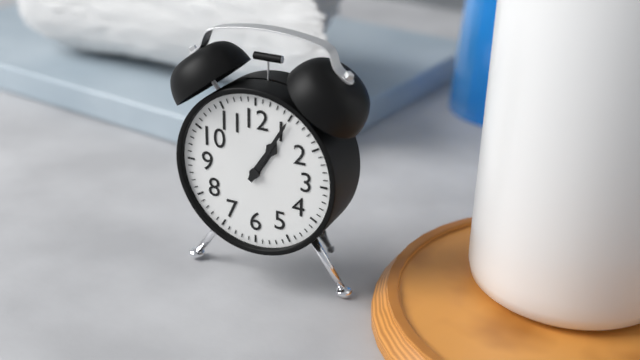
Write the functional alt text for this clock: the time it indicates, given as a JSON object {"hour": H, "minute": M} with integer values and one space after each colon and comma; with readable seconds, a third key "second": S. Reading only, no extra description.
{"hour": 1, "minute": 5}
